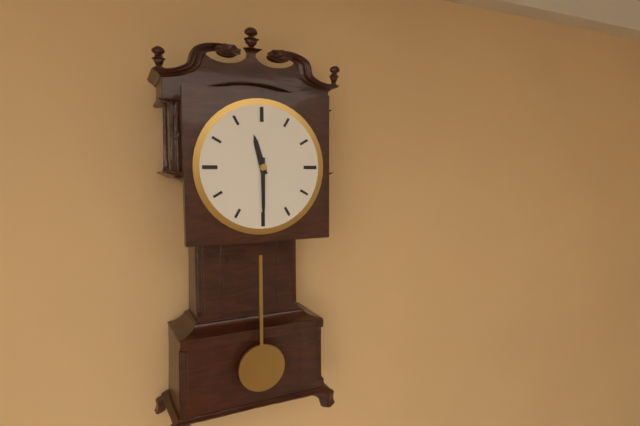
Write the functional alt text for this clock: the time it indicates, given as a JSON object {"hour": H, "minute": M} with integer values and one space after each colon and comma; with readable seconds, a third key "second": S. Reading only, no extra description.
{"hour": 11, "minute": 30}
